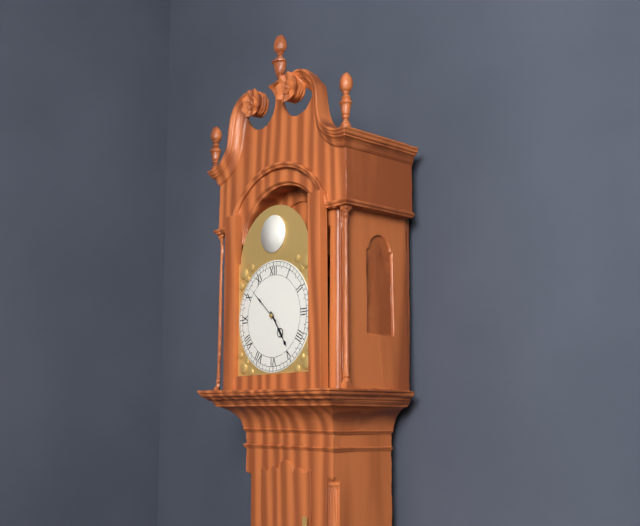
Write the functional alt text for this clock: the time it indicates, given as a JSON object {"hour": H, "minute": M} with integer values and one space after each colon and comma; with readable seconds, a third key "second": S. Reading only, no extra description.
{"hour": 4, "minute": 52}
